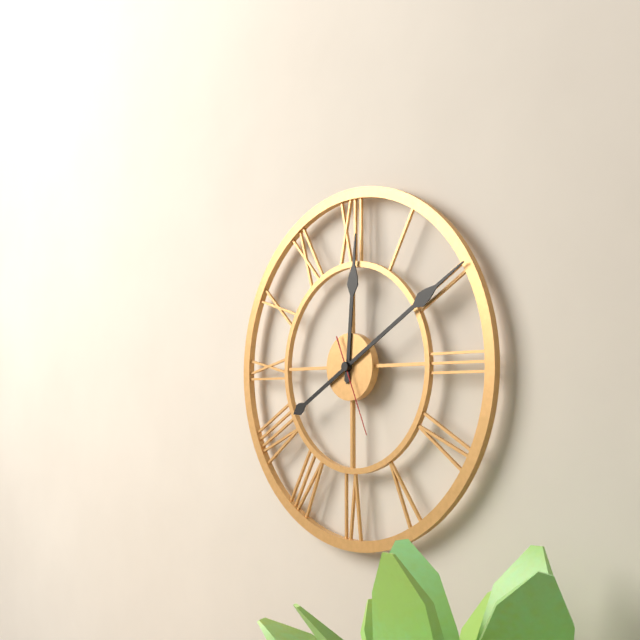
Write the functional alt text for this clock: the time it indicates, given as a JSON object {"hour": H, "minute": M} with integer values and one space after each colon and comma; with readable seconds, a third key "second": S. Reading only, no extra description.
{"hour": 12, "minute": 10, "second": 26}
